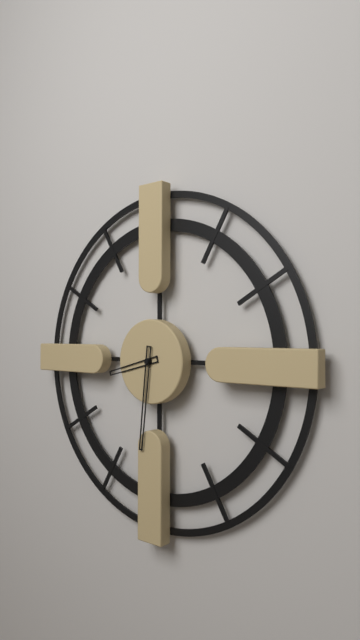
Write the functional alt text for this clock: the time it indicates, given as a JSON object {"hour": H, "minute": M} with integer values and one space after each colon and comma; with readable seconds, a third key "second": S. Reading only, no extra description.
{"hour": 8, "minute": 31}
